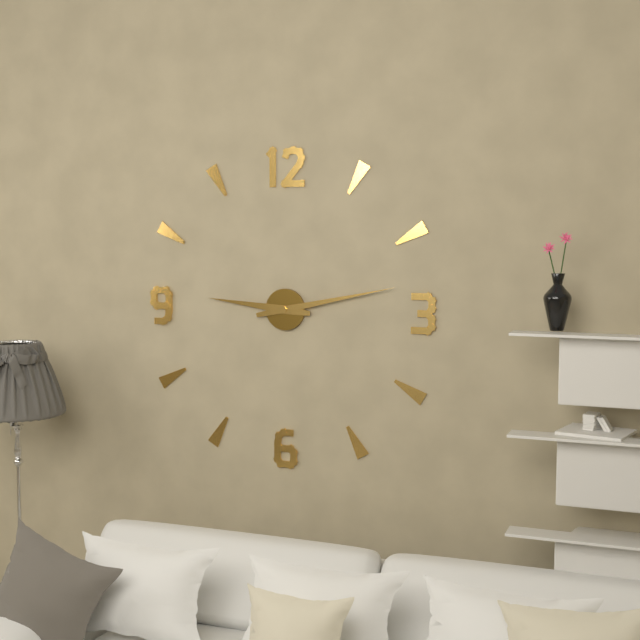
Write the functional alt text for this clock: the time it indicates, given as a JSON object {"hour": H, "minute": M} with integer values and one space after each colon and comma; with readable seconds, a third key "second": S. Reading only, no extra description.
{"hour": 9, "minute": 13}
